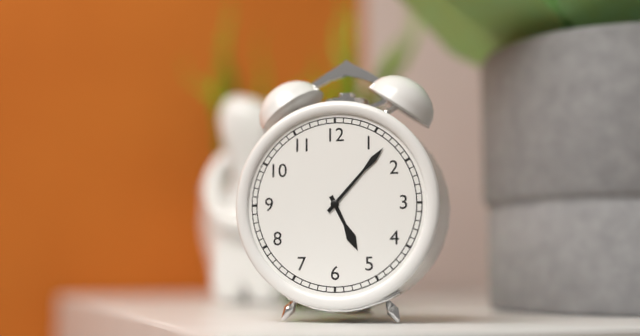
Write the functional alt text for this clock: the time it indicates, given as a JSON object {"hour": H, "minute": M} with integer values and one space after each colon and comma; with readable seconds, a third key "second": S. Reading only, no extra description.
{"hour": 5, "minute": 7}
